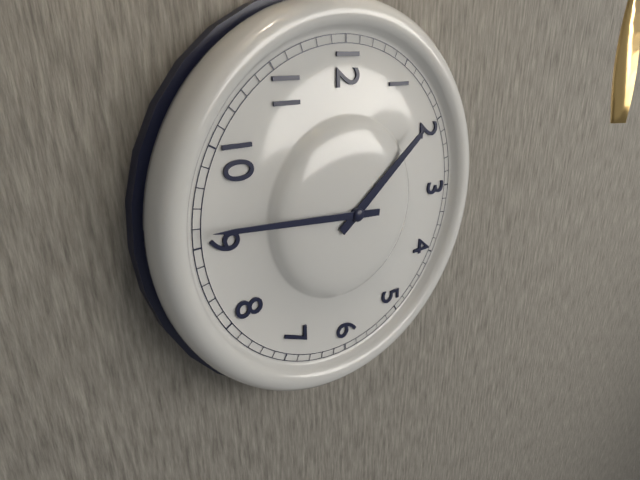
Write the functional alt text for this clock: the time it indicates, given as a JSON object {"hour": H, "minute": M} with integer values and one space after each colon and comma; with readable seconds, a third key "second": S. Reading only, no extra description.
{"hour": 1, "minute": 46}
